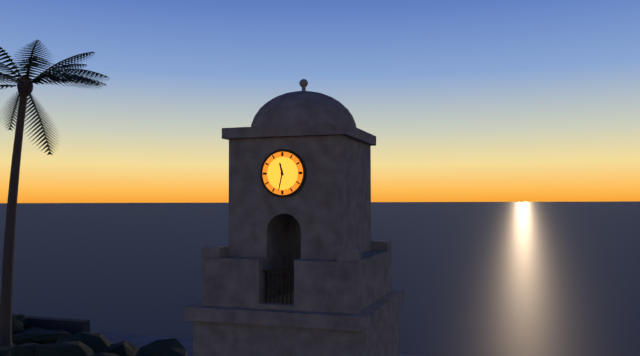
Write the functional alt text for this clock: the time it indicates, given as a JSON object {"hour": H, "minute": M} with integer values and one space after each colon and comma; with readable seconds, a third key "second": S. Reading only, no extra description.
{"hour": 11, "minute": 32}
